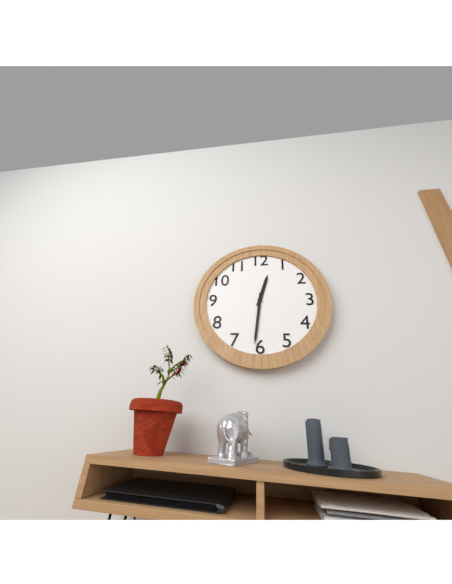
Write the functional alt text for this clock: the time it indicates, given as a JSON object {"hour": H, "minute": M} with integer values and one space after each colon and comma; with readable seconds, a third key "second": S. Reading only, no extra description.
{"hour": 12, "minute": 31}
